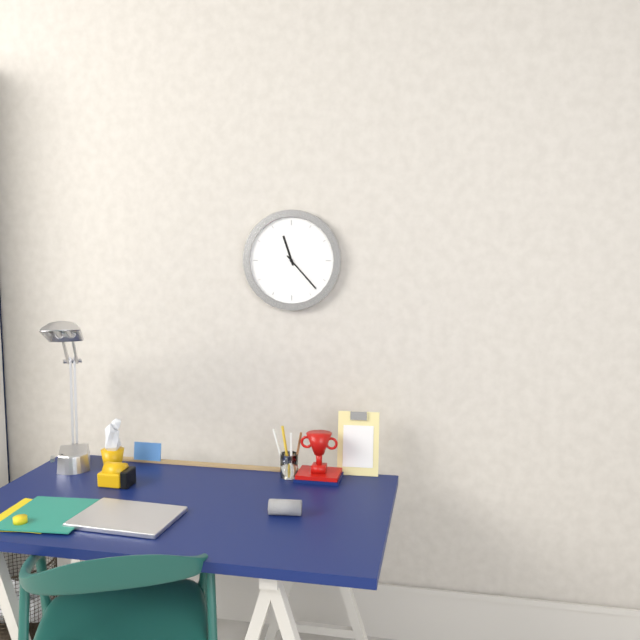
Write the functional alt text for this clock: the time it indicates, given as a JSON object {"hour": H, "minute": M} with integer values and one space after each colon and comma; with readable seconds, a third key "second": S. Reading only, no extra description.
{"hour": 11, "minute": 23}
